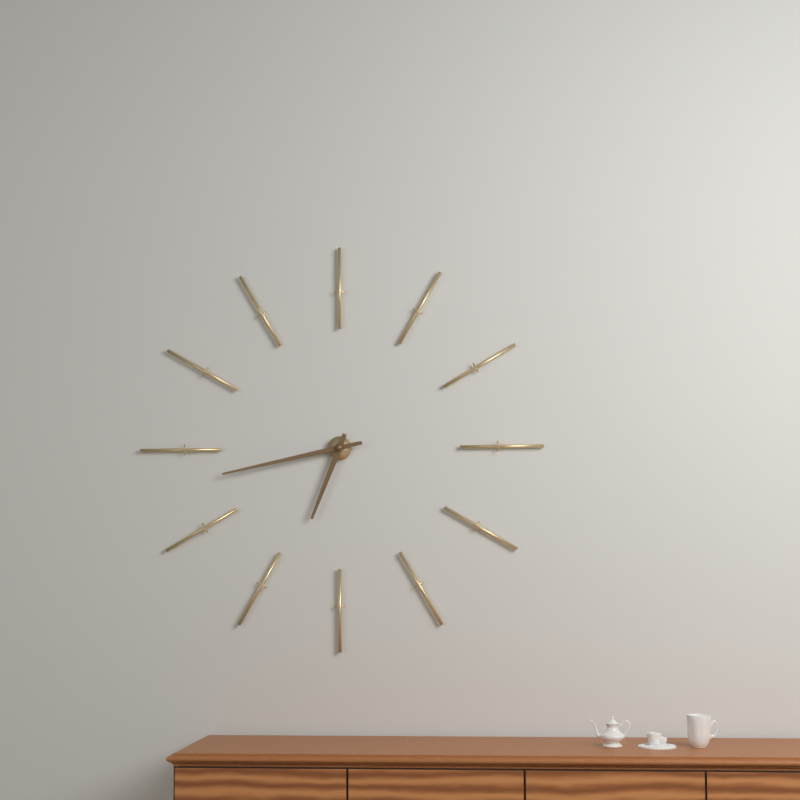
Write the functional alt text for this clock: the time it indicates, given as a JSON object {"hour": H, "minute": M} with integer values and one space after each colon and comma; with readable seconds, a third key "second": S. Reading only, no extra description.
{"hour": 6, "minute": 43}
